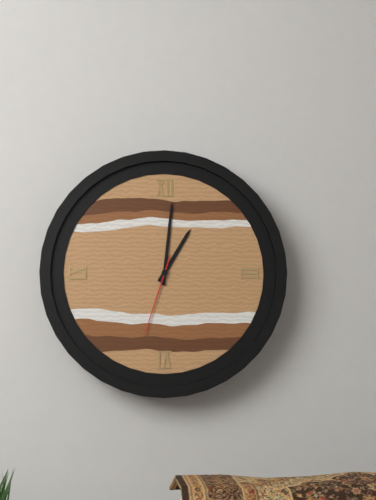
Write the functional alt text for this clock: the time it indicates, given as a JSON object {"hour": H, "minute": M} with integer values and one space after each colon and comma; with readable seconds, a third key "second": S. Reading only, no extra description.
{"hour": 1, "minute": 1, "second": 33}
